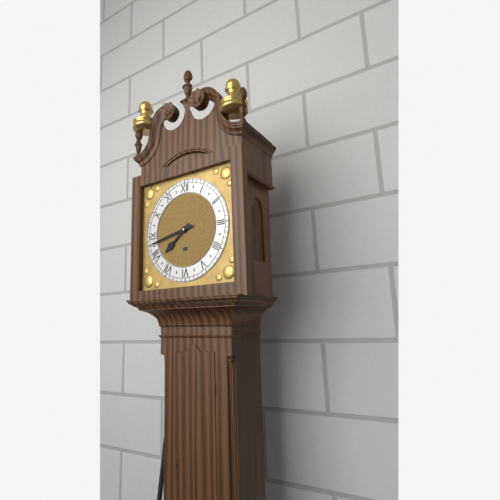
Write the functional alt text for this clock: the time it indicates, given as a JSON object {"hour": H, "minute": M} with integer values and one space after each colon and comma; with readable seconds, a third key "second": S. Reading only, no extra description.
{"hour": 7, "minute": 43}
